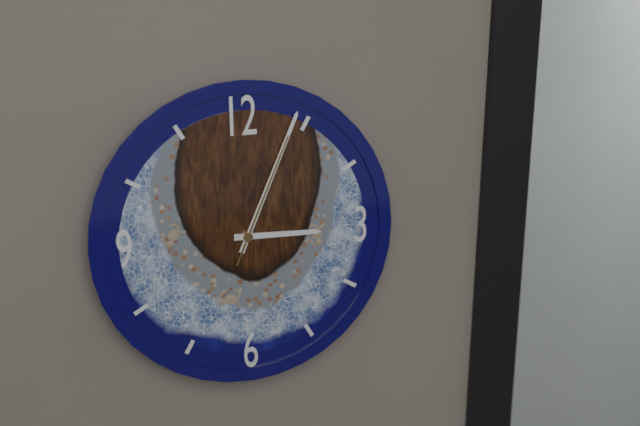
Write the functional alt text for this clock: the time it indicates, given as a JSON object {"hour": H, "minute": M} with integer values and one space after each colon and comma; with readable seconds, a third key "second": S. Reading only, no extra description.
{"hour": 3, "minute": 4, "second": 4}
